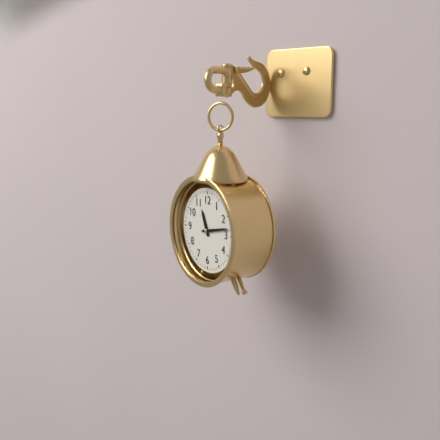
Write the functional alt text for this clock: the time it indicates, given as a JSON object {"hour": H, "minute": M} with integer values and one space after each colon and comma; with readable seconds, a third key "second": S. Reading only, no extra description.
{"hour": 11, "minute": 13}
